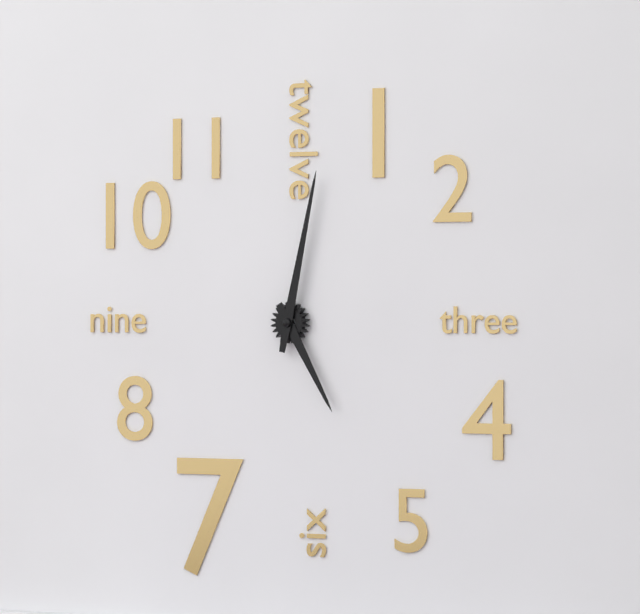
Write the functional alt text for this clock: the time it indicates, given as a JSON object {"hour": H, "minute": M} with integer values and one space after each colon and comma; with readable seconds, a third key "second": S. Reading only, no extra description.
{"hour": 5, "minute": 2}
